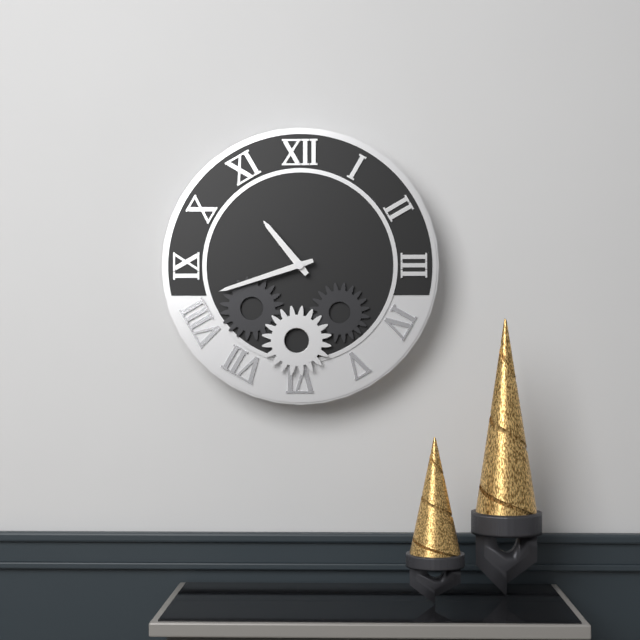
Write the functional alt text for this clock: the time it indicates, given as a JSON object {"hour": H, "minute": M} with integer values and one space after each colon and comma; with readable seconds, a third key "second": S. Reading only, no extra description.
{"hour": 10, "minute": 42}
